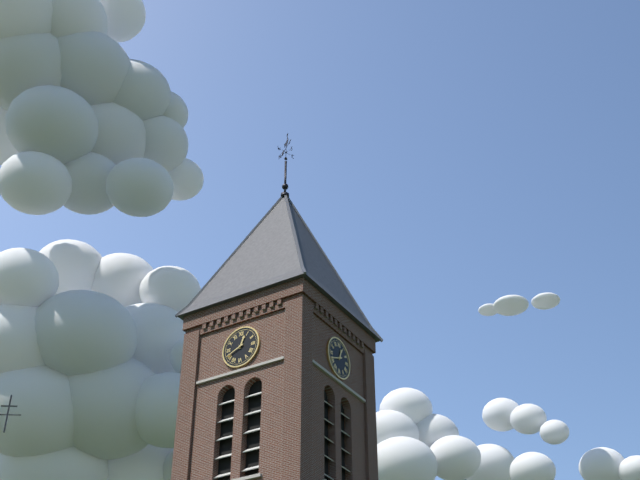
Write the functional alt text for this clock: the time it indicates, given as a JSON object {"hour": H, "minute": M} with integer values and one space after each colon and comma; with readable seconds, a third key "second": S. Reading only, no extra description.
{"hour": 12, "minute": 41}
